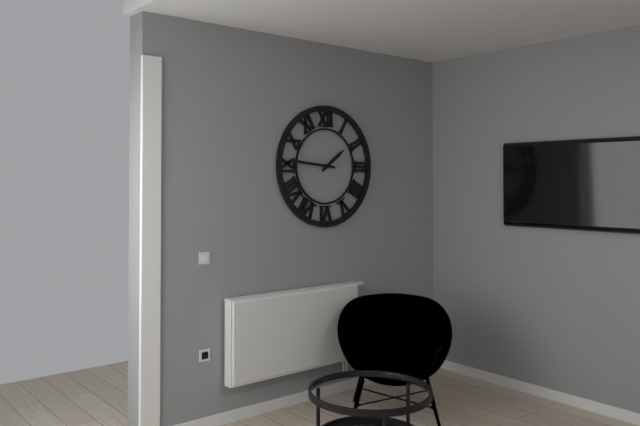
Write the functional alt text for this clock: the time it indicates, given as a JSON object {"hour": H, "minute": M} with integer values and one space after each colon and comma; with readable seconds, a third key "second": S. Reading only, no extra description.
{"hour": 1, "minute": 46}
